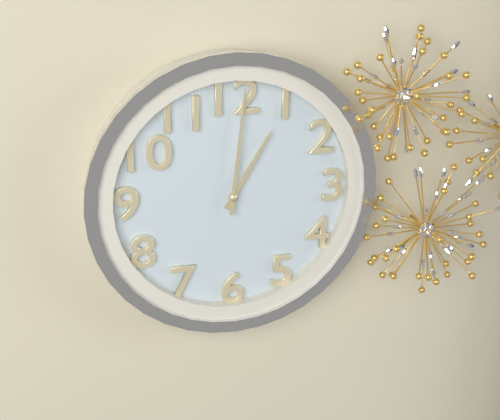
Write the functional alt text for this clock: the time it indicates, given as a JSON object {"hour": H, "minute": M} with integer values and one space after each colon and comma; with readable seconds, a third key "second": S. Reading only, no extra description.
{"hour": 1, "minute": 1}
